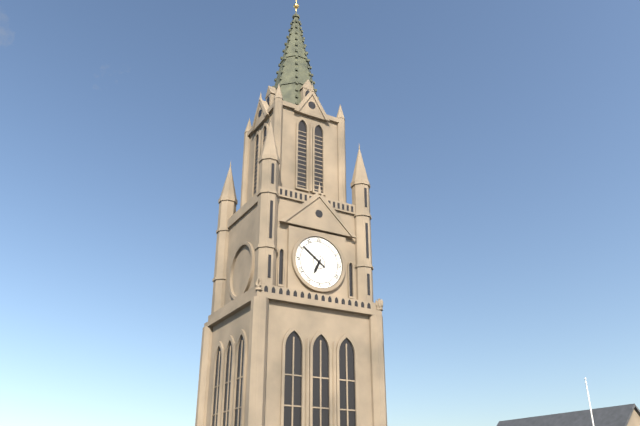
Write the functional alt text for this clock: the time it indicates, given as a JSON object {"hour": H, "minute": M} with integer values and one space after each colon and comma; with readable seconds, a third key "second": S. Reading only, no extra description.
{"hour": 6, "minute": 51}
